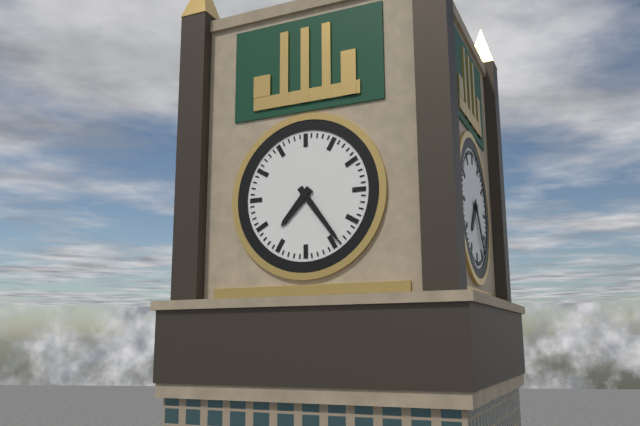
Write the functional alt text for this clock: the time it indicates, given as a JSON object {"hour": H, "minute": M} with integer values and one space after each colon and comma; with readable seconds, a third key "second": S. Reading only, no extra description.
{"hour": 7, "minute": 24}
